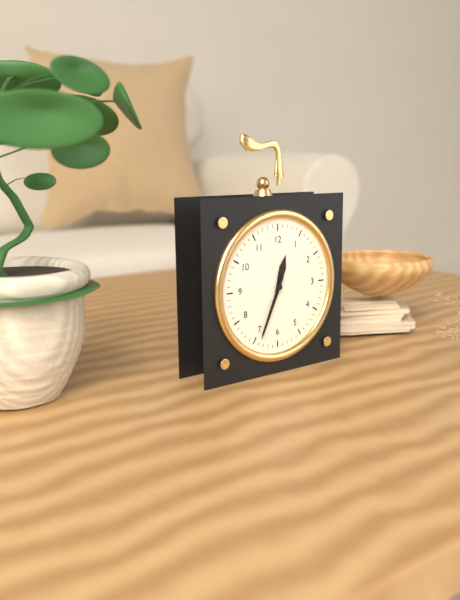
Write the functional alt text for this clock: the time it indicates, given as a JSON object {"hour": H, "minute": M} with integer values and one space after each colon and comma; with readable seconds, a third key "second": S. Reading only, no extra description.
{"hour": 12, "minute": 34}
